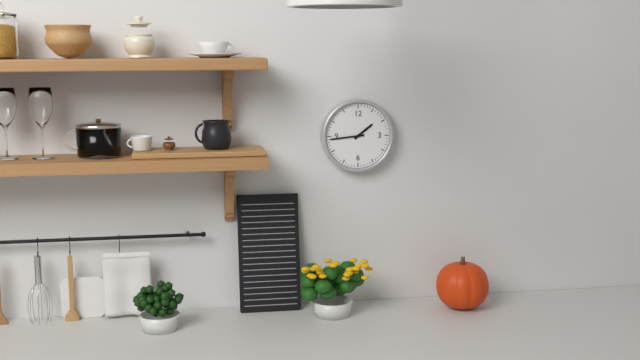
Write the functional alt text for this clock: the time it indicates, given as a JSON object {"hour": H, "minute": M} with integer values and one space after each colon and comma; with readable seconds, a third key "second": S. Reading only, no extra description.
{"hour": 1, "minute": 44}
